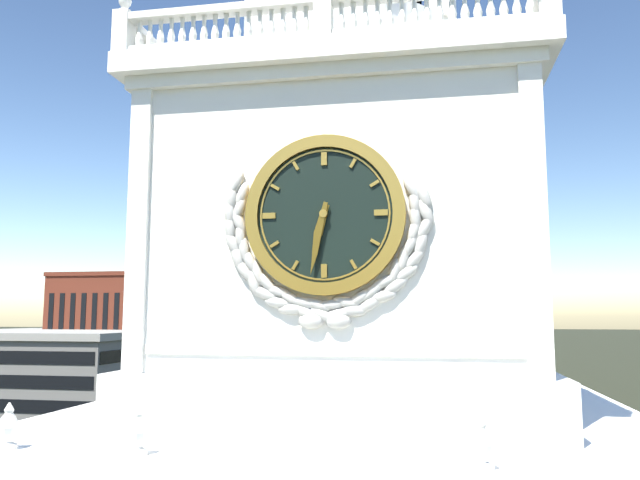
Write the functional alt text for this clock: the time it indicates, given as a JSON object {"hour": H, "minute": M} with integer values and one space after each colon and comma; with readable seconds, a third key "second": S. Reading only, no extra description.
{"hour": 6, "minute": 32}
